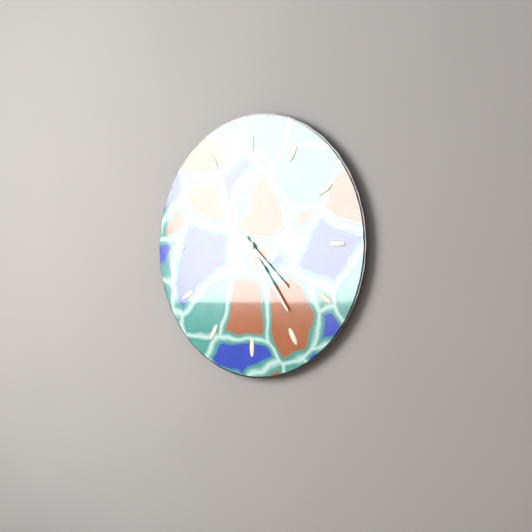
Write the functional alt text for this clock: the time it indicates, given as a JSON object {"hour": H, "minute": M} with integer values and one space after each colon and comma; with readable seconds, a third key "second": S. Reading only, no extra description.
{"hour": 4, "minute": 24}
